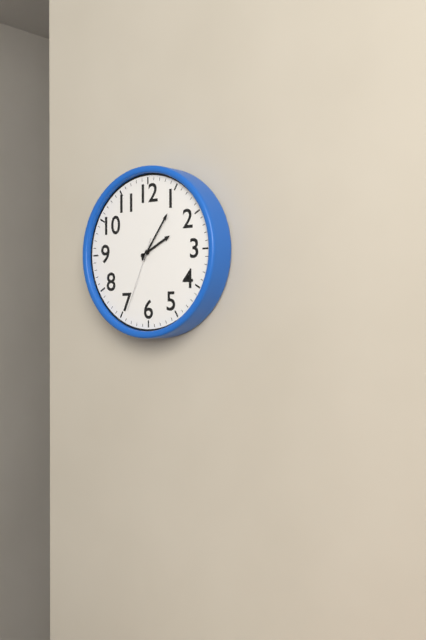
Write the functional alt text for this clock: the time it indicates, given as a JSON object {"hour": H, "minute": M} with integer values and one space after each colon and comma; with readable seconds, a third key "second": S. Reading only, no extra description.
{"hour": 2, "minute": 6, "second": 34}
